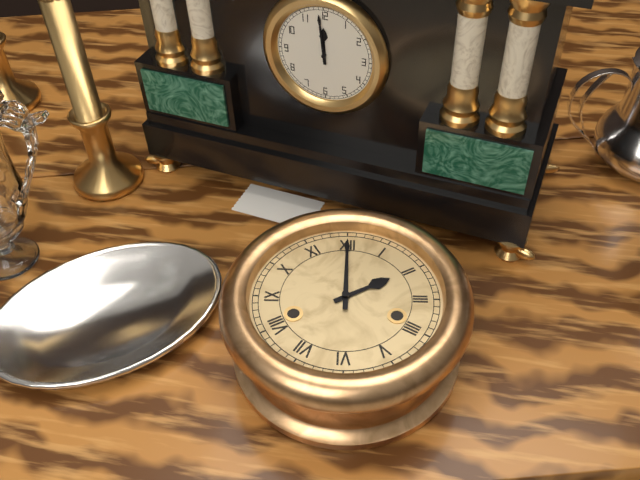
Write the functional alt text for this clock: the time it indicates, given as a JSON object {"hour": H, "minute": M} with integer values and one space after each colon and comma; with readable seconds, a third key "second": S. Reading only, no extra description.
{"hour": 2, "minute": 0}
